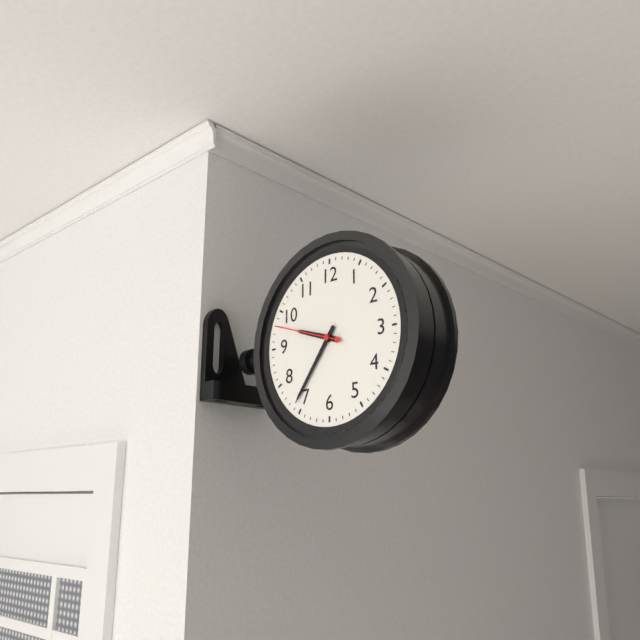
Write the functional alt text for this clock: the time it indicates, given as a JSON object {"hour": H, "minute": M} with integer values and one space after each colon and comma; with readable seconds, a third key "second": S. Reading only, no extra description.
{"hour": 9, "minute": 36, "second": 48}
